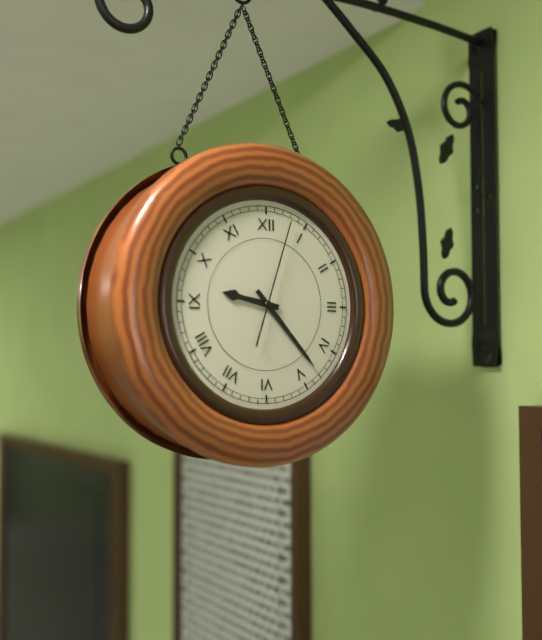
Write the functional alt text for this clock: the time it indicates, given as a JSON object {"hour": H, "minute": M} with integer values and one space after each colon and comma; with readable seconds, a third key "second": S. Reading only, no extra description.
{"hour": 9, "minute": 23, "second": 3}
